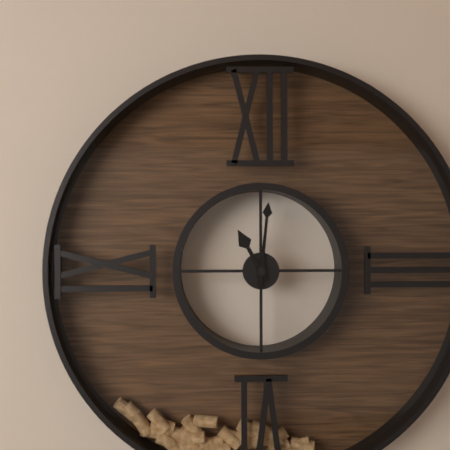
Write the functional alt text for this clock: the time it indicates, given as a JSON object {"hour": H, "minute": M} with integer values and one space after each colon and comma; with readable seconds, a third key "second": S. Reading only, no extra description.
{"hour": 11, "minute": 1}
